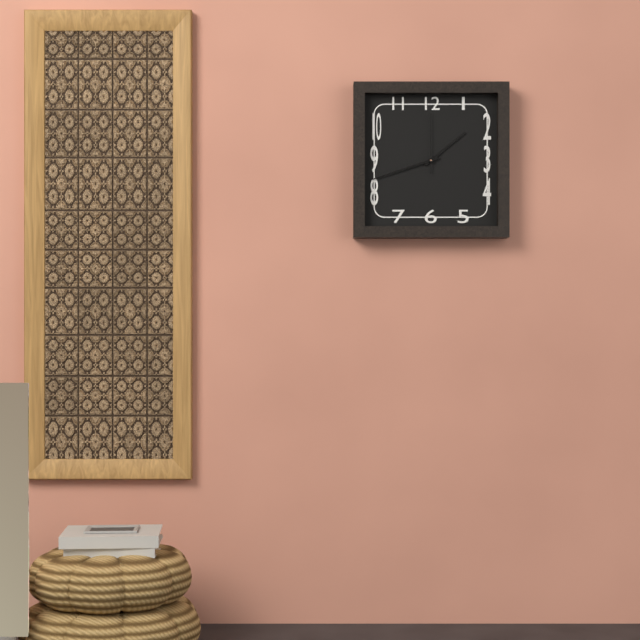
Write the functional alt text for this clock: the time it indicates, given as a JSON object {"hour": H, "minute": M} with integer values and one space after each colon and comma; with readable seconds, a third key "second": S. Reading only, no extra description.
{"hour": 1, "minute": 42, "second": 0}
